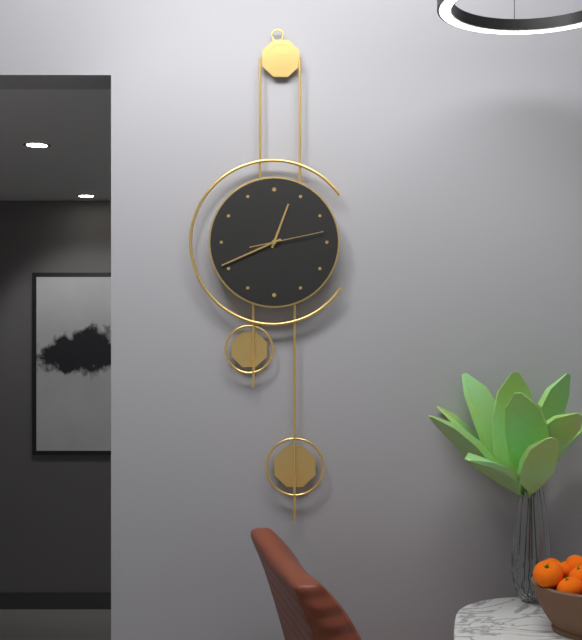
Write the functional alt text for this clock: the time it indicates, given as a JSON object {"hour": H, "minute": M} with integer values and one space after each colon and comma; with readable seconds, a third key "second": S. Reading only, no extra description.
{"hour": 12, "minute": 41, "second": 13}
